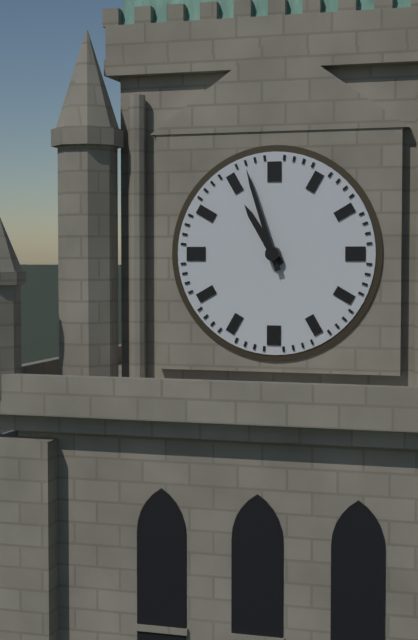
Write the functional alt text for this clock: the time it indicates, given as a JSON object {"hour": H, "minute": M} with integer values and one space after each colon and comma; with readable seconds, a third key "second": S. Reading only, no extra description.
{"hour": 10, "minute": 57}
